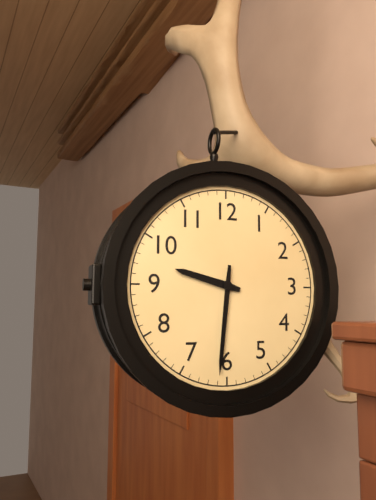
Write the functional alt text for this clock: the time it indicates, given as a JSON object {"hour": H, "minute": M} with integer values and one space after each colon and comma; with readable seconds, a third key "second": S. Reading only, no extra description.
{"hour": 9, "minute": 31}
